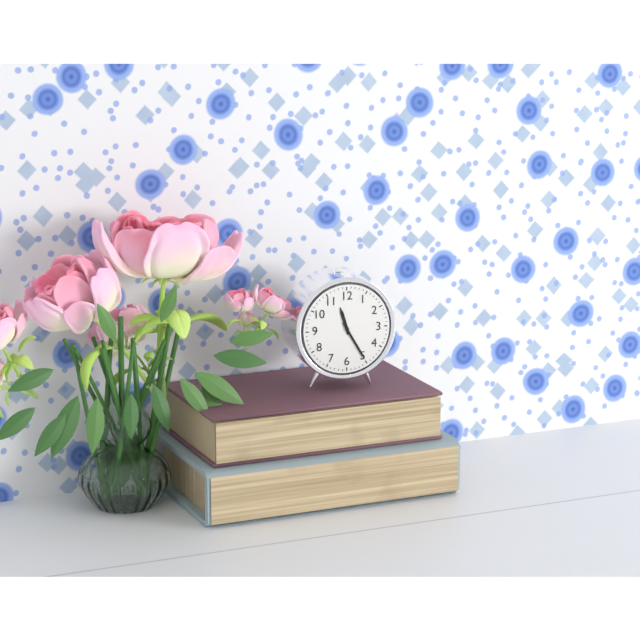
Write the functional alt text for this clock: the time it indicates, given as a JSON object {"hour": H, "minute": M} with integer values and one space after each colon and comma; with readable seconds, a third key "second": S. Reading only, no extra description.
{"hour": 11, "minute": 25}
